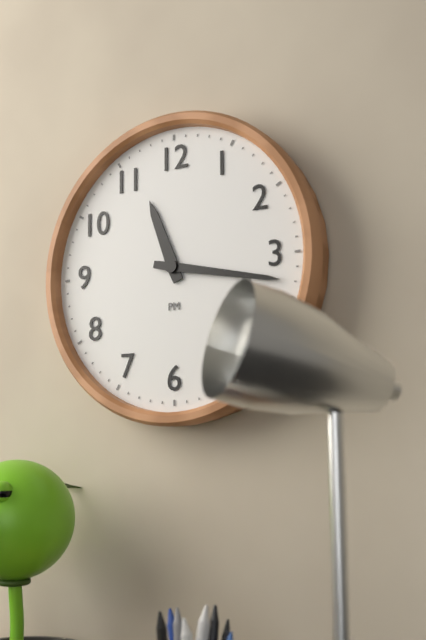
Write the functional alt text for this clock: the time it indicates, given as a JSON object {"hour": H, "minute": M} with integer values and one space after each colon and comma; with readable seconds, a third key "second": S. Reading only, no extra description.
{"hour": 11, "minute": 17}
